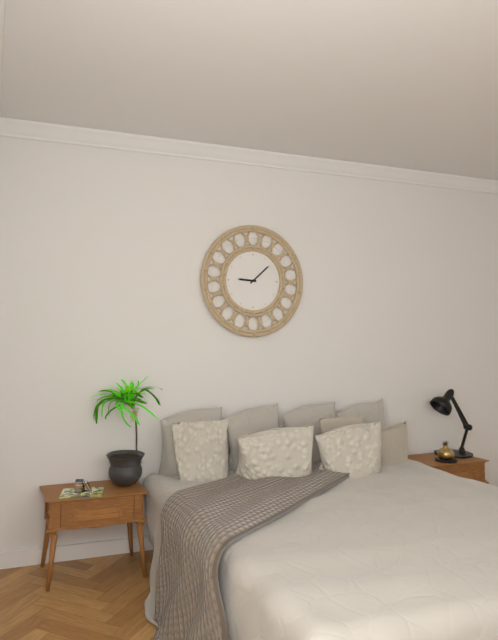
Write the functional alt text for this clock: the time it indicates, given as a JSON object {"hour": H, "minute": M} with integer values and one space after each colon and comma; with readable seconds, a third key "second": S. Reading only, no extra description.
{"hour": 9, "minute": 8}
